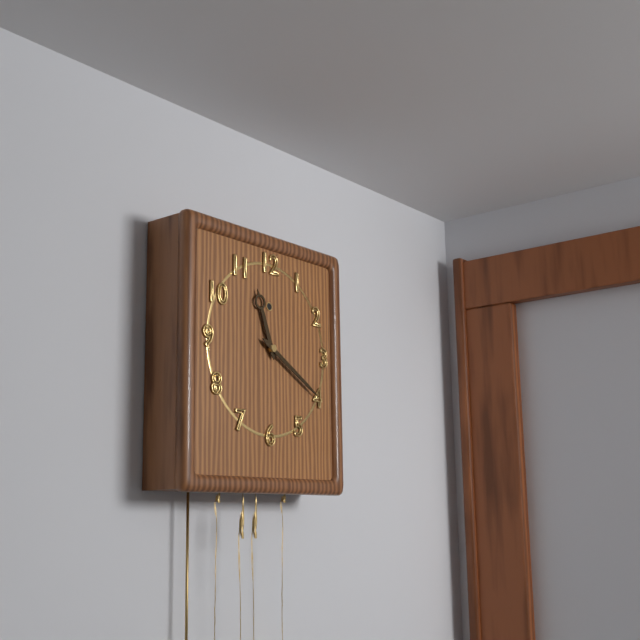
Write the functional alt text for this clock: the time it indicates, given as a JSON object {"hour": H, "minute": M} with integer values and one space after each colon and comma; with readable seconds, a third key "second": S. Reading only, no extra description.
{"hour": 11, "minute": 20}
